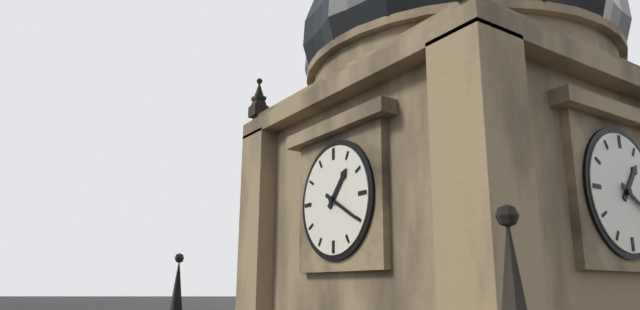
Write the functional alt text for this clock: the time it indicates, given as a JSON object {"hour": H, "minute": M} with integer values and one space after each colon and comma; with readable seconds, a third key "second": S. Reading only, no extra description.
{"hour": 1, "minute": 20}
